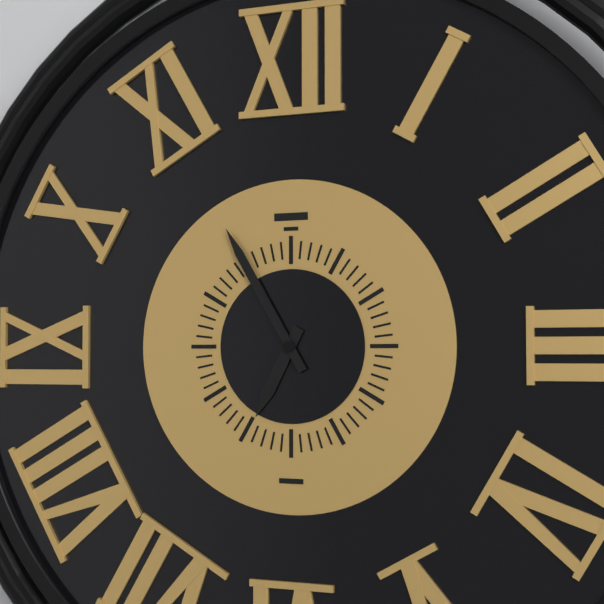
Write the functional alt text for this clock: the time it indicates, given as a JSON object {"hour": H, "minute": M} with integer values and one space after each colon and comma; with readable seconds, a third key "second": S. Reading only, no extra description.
{"hour": 6, "minute": 55}
